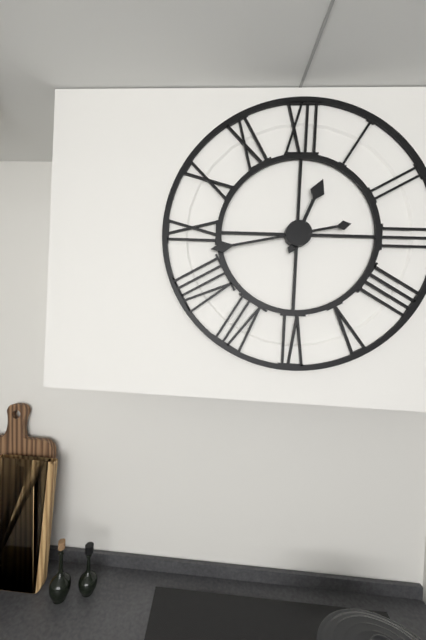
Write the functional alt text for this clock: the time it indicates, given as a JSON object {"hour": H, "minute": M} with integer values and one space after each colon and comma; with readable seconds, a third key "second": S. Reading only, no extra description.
{"hour": 12, "minute": 43}
